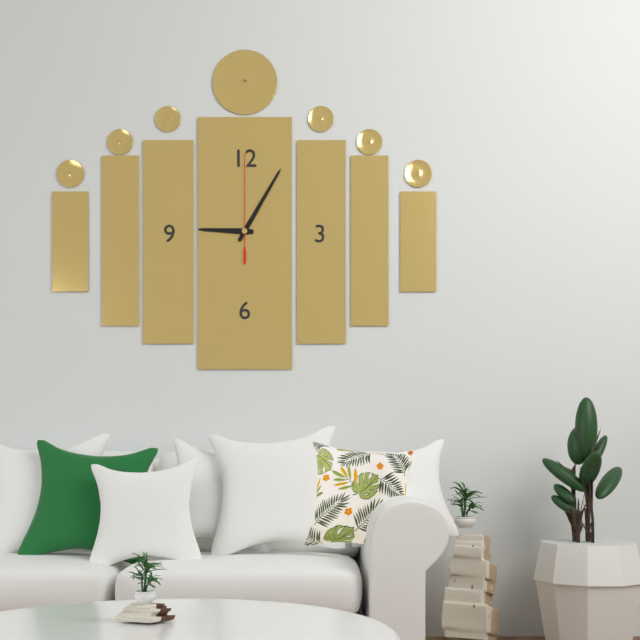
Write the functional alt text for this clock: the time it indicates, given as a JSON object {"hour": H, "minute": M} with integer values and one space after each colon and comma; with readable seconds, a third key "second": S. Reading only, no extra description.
{"hour": 9, "minute": 5, "second": 0}
